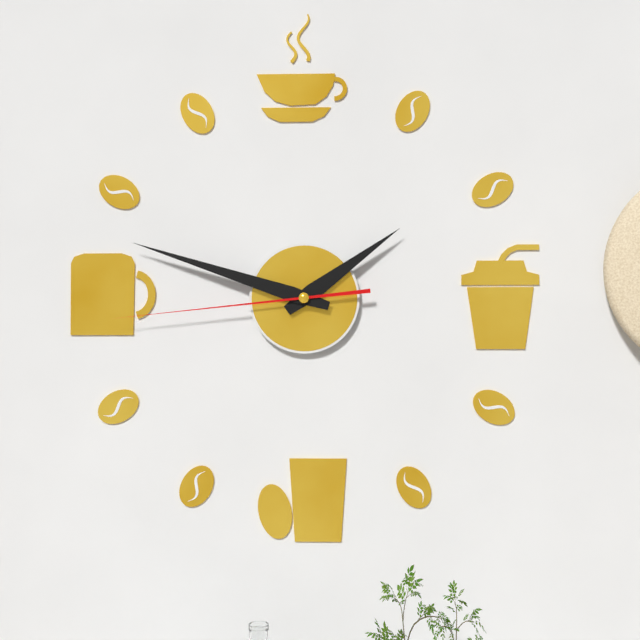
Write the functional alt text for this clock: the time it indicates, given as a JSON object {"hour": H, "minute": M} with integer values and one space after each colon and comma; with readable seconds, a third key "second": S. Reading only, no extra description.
{"hour": 1, "minute": 48, "second": 44}
